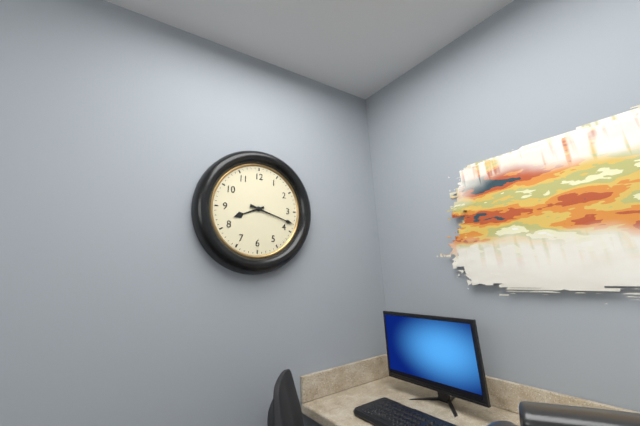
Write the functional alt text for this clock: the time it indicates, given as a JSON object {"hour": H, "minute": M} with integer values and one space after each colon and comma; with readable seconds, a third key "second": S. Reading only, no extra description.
{"hour": 8, "minute": 18}
